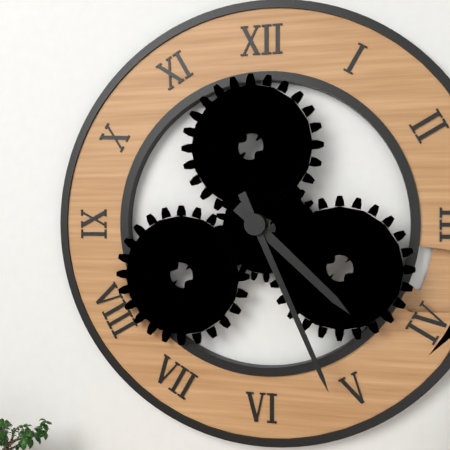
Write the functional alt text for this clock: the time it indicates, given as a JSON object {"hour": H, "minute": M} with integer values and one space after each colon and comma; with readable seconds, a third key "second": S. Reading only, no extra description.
{"hour": 4, "minute": 26}
